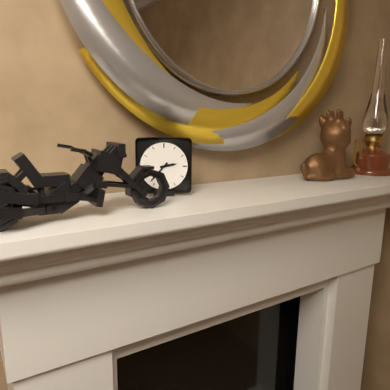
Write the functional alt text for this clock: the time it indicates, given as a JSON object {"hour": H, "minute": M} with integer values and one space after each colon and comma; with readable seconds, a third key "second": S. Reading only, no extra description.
{"hour": 2, "minute": 37}
